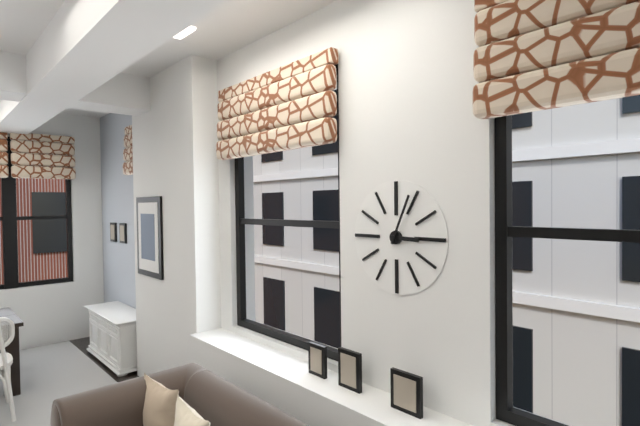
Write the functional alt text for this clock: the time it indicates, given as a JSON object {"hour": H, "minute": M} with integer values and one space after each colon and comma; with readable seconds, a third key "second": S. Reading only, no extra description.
{"hour": 3, "minute": 4}
